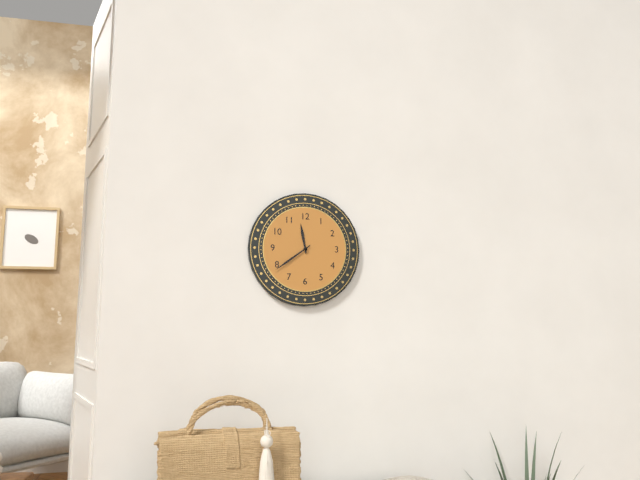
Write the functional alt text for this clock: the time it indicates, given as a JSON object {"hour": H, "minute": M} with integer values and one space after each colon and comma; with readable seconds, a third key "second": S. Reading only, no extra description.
{"hour": 11, "minute": 39}
